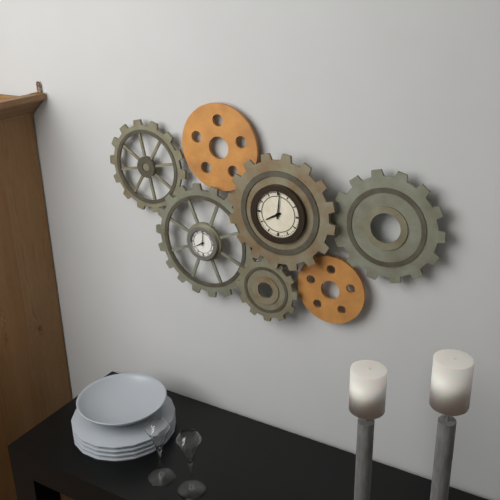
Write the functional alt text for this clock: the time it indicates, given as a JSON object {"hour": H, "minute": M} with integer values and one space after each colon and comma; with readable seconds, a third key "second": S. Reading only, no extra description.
{"hour": 8, "minute": 1}
